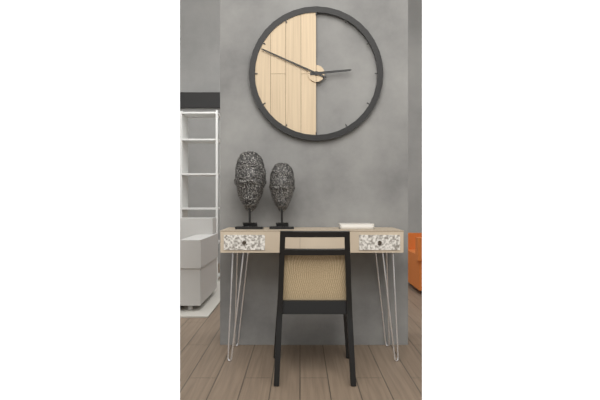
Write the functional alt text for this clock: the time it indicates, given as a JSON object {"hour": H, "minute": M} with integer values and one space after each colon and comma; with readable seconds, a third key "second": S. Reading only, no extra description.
{"hour": 2, "minute": 49}
